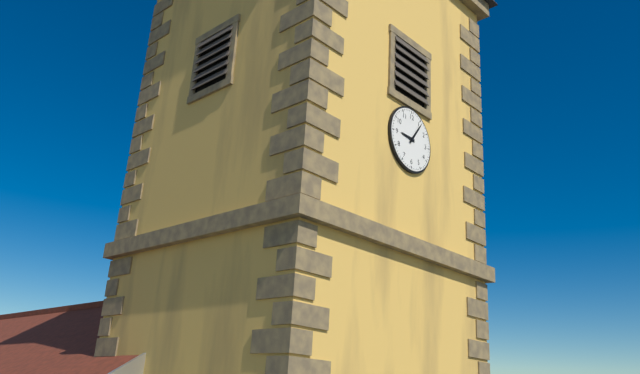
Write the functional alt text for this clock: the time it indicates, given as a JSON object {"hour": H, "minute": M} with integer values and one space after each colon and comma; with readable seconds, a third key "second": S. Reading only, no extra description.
{"hour": 9, "minute": 6}
